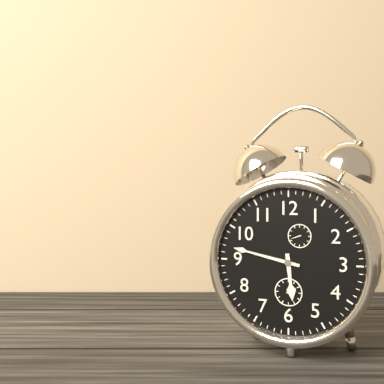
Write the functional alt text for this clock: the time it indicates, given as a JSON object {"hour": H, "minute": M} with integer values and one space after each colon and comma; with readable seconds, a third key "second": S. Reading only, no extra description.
{"hour": 5, "minute": 47}
